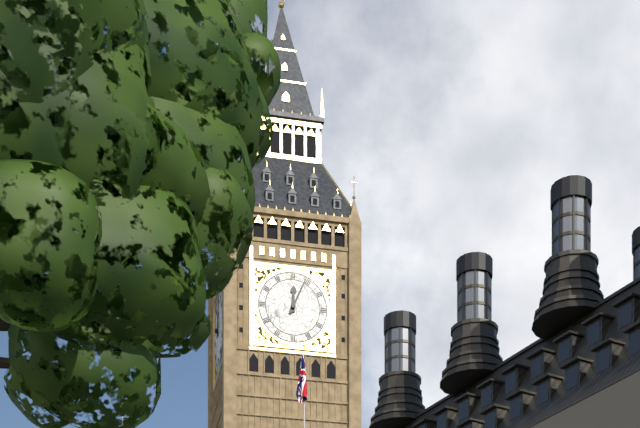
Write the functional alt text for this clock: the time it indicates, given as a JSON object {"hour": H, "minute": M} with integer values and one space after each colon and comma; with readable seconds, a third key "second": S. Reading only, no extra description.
{"hour": 12, "minute": 4}
